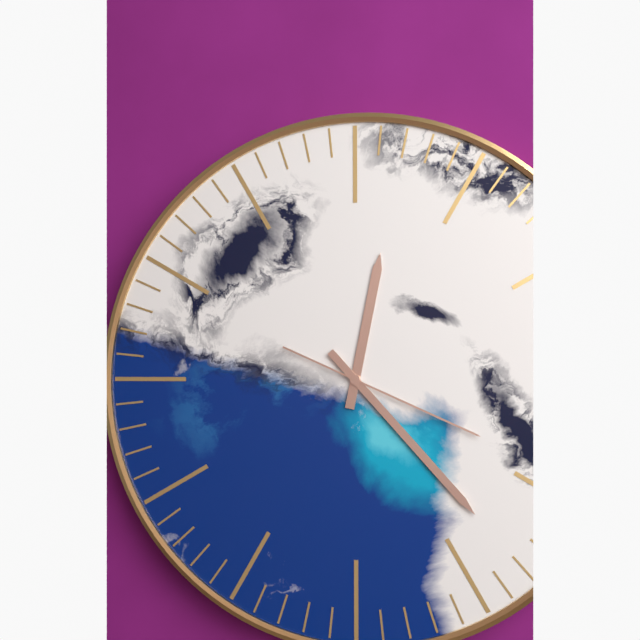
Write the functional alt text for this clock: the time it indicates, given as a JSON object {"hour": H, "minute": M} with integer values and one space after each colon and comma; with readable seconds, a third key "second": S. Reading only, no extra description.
{"hour": 12, "minute": 23, "second": 19}
